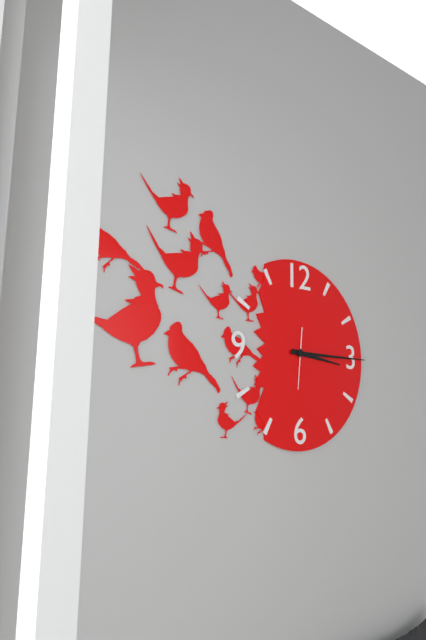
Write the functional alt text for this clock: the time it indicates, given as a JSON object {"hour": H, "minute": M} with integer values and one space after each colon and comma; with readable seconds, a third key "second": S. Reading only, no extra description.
{"hour": 3, "minute": 15}
